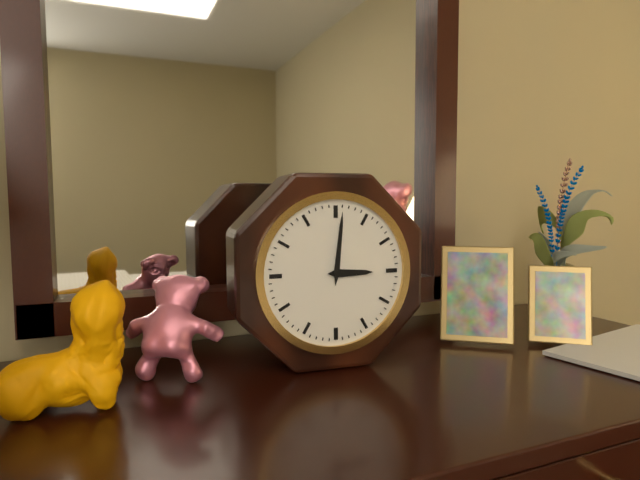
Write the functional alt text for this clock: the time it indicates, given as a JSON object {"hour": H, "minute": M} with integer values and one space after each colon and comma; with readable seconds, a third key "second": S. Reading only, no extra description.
{"hour": 3, "minute": 1}
